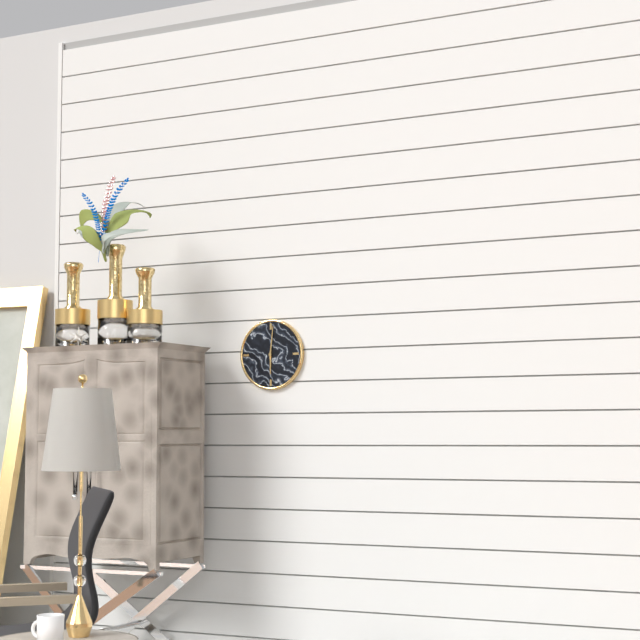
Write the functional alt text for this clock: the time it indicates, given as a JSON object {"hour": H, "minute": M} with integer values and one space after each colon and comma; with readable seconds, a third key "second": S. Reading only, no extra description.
{"hour": 6, "minute": 1}
